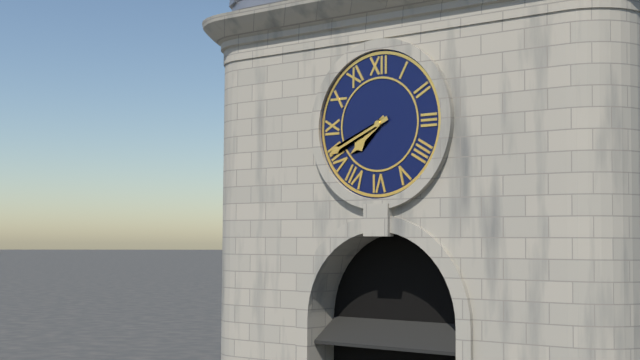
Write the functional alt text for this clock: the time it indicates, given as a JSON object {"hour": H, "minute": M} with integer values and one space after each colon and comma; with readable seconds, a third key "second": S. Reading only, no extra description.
{"hour": 7, "minute": 41}
